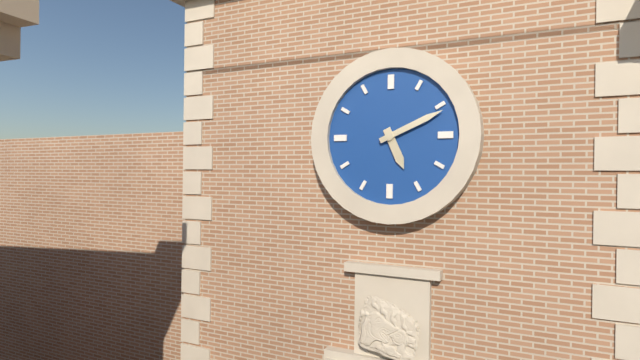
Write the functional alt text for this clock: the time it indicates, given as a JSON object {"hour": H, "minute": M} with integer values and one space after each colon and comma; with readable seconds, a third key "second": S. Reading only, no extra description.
{"hour": 5, "minute": 11}
